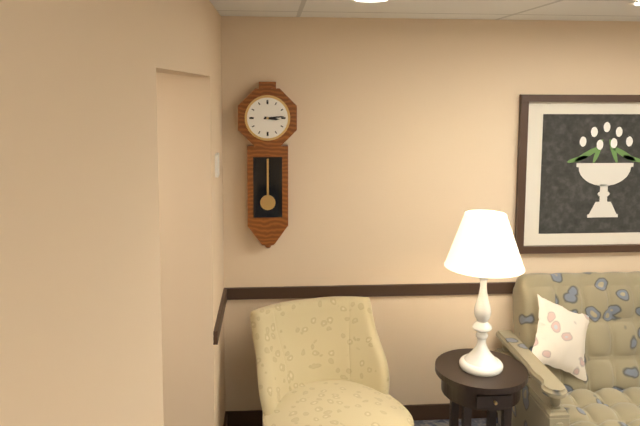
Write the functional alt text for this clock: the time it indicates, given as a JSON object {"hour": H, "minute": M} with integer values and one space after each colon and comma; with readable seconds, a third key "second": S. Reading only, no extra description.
{"hour": 3, "minute": 14}
